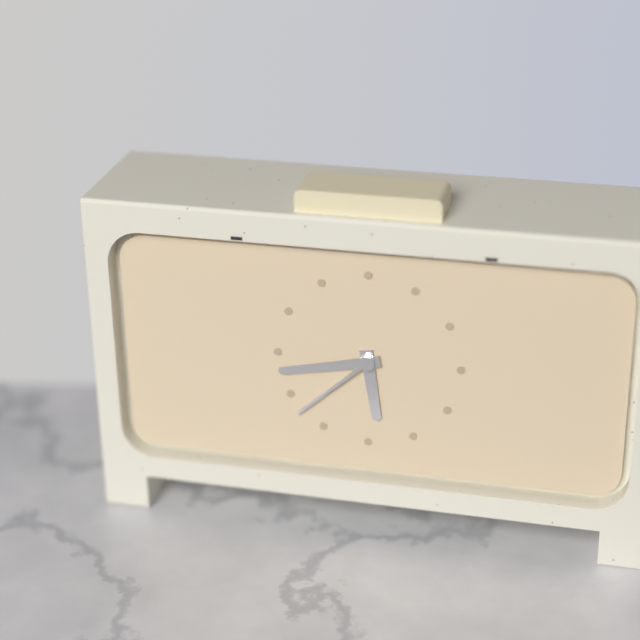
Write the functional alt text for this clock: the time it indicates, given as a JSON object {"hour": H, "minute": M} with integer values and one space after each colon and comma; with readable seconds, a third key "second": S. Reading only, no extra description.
{"hour": 5, "minute": 43, "second": 38}
